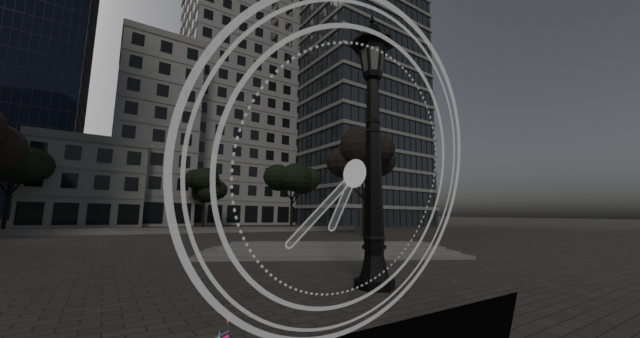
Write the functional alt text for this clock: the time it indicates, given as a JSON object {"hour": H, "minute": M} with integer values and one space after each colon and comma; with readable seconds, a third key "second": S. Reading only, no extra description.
{"hour": 6, "minute": 37}
